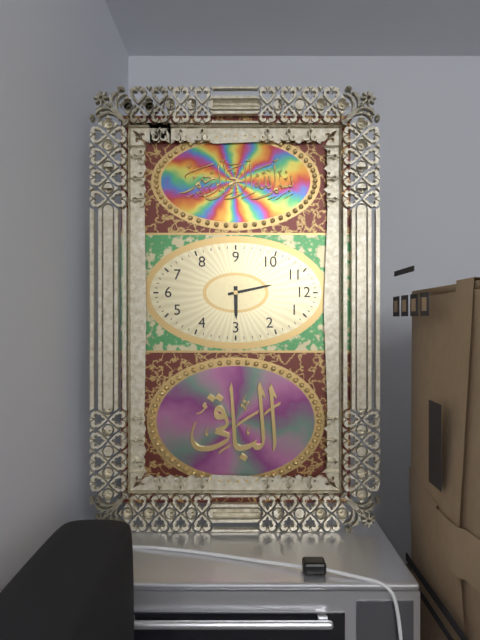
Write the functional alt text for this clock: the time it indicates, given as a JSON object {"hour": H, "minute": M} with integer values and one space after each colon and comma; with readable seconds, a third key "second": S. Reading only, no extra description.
{"hour": 2, "minute": 58}
